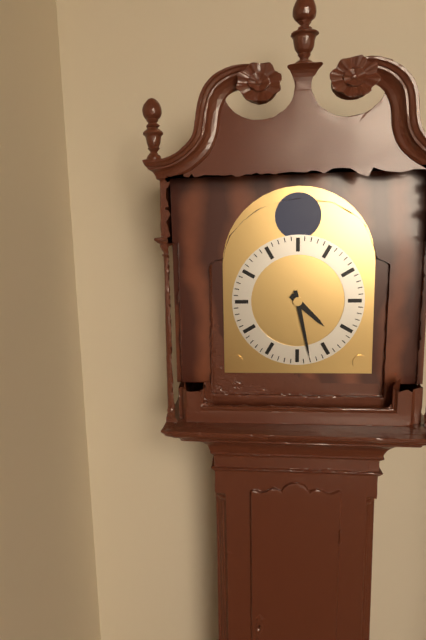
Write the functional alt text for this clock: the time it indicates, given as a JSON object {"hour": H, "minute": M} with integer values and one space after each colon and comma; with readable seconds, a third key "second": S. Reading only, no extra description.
{"hour": 4, "minute": 28}
